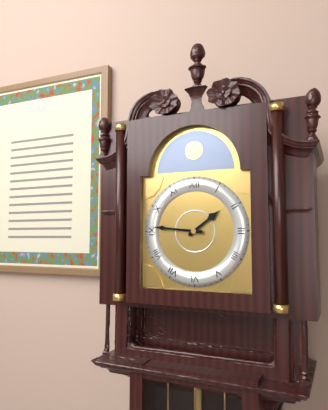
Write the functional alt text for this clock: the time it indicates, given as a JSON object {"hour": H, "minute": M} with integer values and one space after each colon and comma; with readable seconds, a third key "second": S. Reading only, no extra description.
{"hour": 1, "minute": 46}
